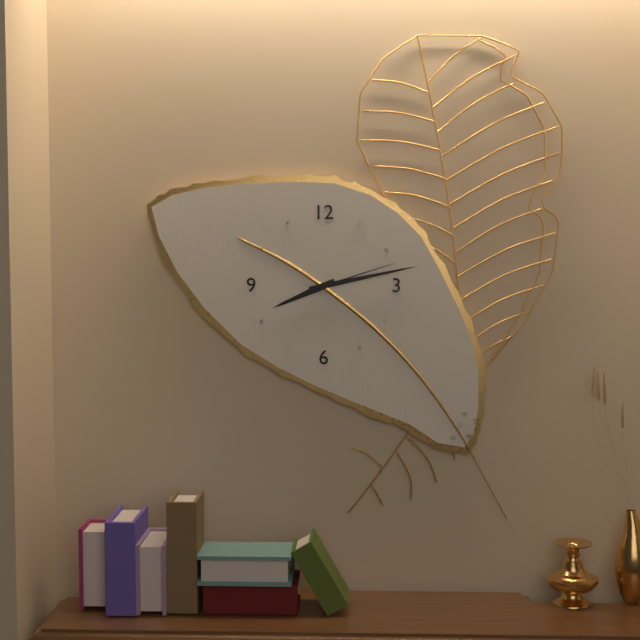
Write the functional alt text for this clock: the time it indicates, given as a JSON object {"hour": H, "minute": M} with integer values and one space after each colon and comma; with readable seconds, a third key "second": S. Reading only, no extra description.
{"hour": 8, "minute": 13, "second": 12}
